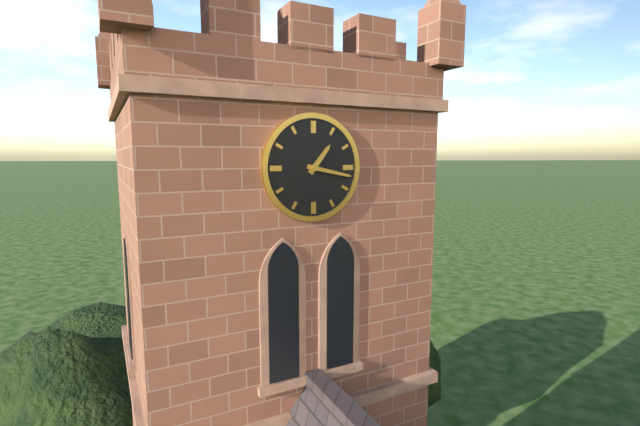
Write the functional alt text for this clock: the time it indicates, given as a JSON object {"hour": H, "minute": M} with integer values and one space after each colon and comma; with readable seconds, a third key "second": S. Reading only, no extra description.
{"hour": 1, "minute": 17}
